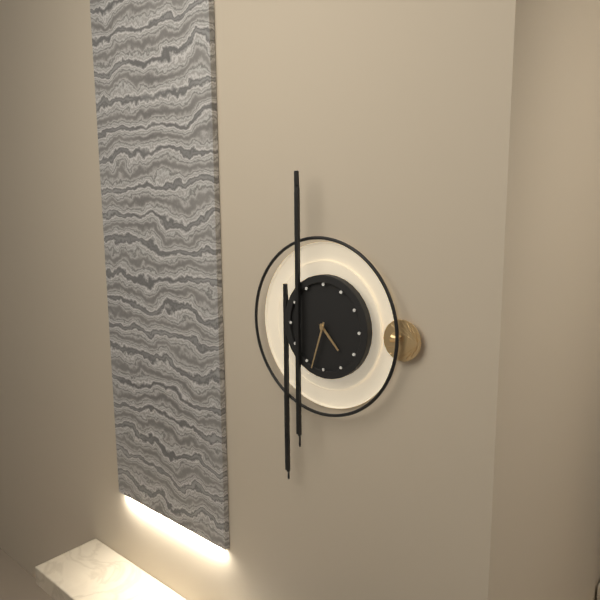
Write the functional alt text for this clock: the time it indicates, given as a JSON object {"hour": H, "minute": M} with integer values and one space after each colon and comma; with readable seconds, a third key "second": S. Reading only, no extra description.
{"hour": 4, "minute": 33}
